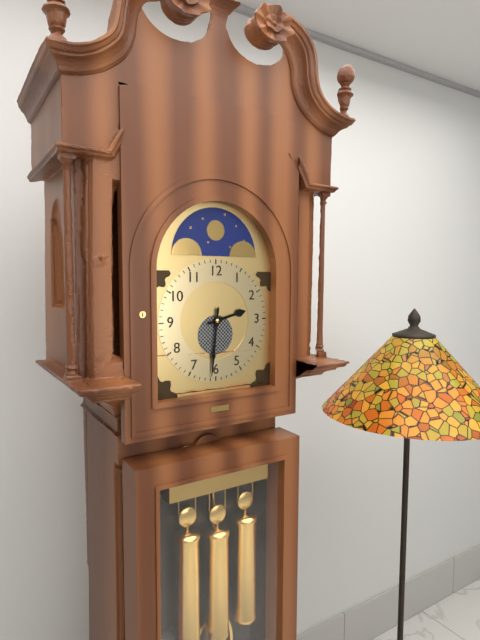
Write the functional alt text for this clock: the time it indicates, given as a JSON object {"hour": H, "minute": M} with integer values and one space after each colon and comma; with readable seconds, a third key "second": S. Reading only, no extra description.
{"hour": 2, "minute": 31}
